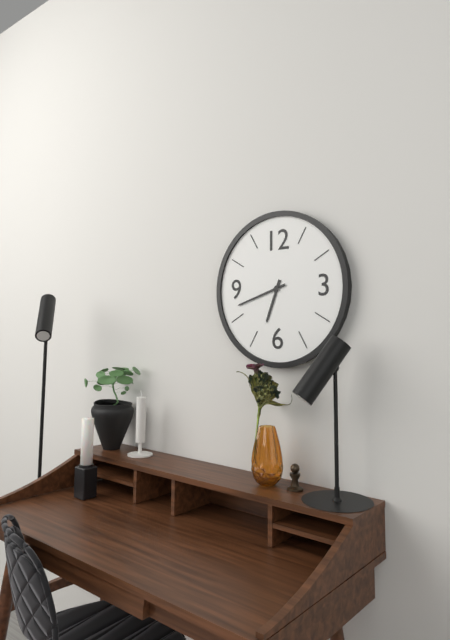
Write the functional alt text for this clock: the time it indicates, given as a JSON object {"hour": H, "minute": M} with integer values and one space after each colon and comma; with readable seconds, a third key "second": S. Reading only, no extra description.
{"hour": 6, "minute": 42}
